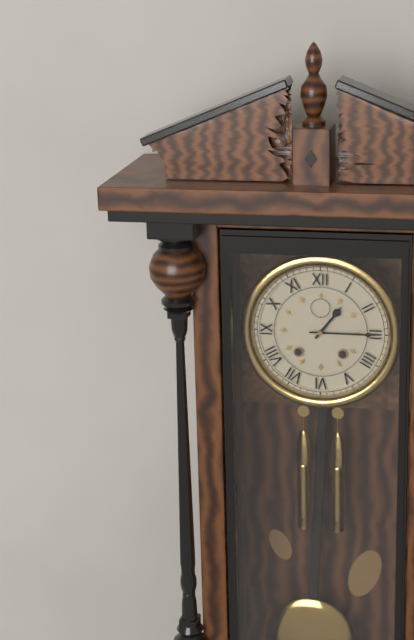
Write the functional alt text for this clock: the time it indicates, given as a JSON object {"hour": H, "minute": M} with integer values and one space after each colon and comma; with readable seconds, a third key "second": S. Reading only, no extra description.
{"hour": 1, "minute": 15}
